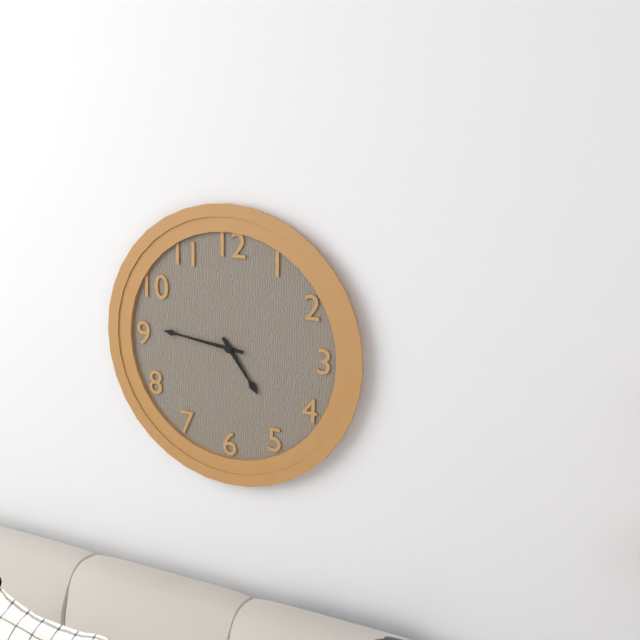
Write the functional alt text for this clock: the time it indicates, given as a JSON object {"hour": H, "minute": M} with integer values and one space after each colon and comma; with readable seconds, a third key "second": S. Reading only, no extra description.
{"hour": 4, "minute": 46}
